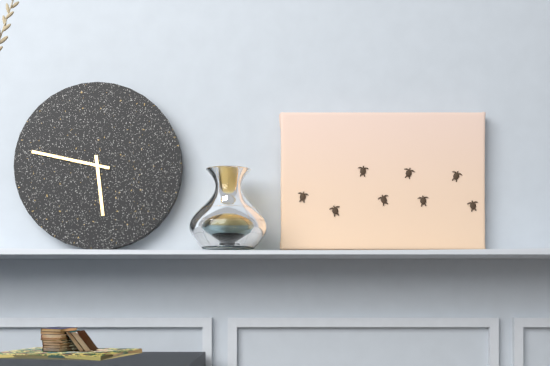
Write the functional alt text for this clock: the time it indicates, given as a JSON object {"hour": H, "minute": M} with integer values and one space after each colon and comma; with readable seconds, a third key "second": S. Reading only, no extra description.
{"hour": 5, "minute": 47}
